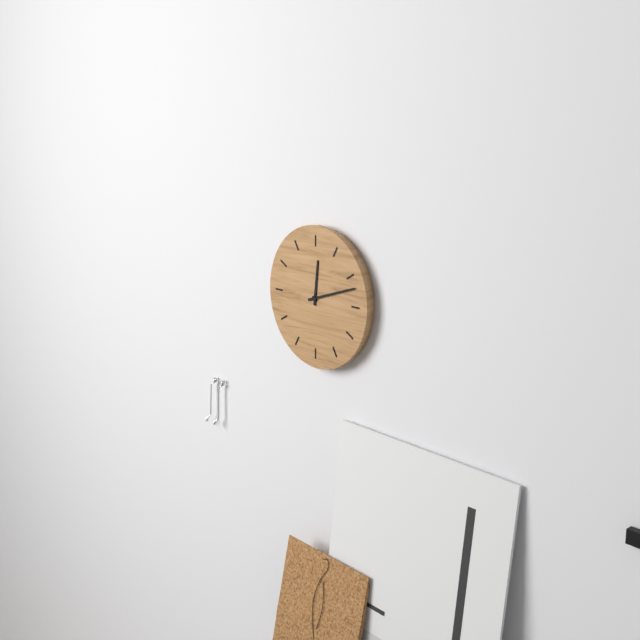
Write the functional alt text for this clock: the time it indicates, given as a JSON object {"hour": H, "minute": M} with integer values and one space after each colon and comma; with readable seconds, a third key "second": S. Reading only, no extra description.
{"hour": 12, "minute": 12}
